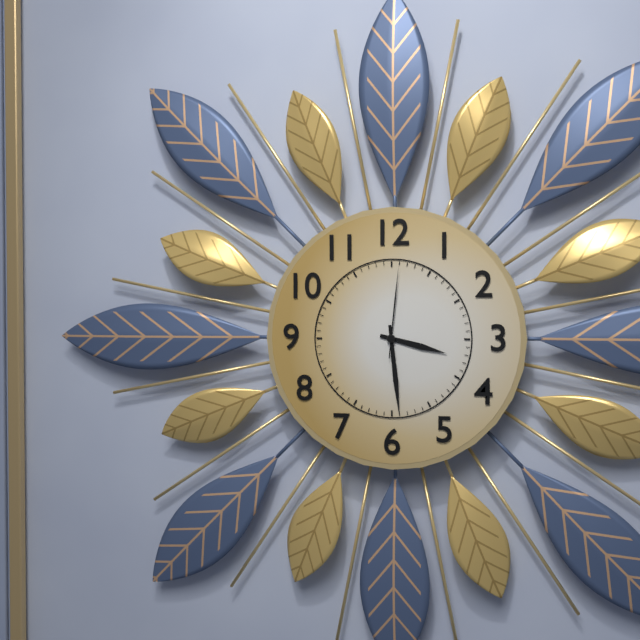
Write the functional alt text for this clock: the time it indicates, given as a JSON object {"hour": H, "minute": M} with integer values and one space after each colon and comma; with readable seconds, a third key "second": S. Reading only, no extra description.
{"hour": 3, "minute": 29, "second": 1}
